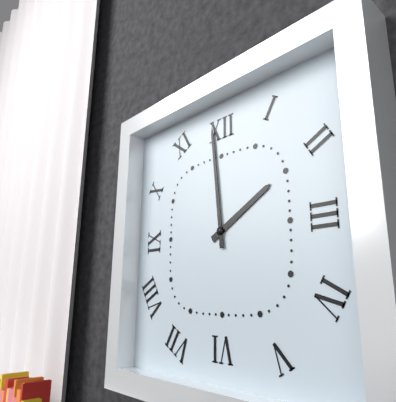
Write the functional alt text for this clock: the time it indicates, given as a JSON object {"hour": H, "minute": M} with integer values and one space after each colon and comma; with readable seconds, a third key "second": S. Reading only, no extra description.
{"hour": 1, "minute": 59}
